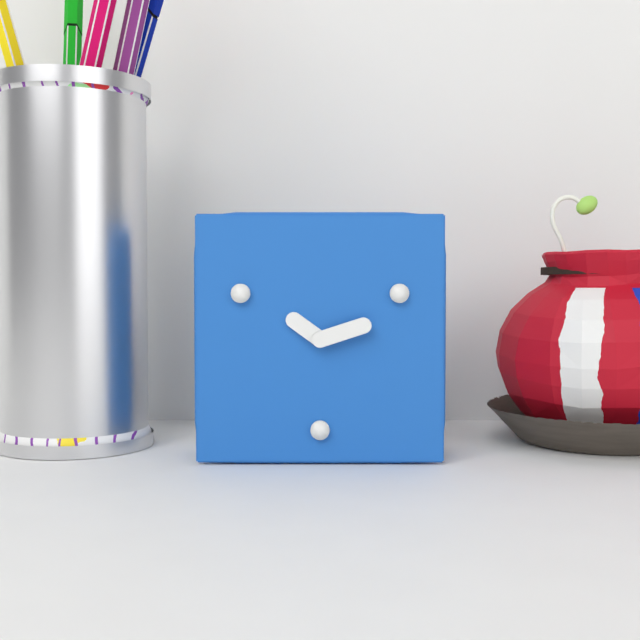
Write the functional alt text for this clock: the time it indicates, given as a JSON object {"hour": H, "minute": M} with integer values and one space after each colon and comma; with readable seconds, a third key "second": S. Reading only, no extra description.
{"hour": 10, "minute": 12}
